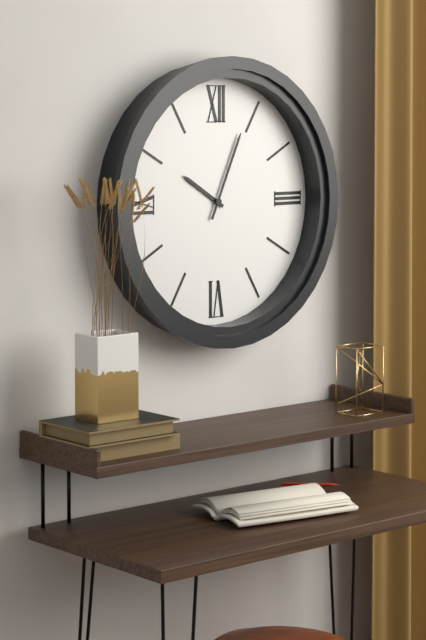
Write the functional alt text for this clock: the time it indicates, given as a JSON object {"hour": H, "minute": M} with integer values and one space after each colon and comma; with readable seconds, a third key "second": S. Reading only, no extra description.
{"hour": 10, "minute": 4}
